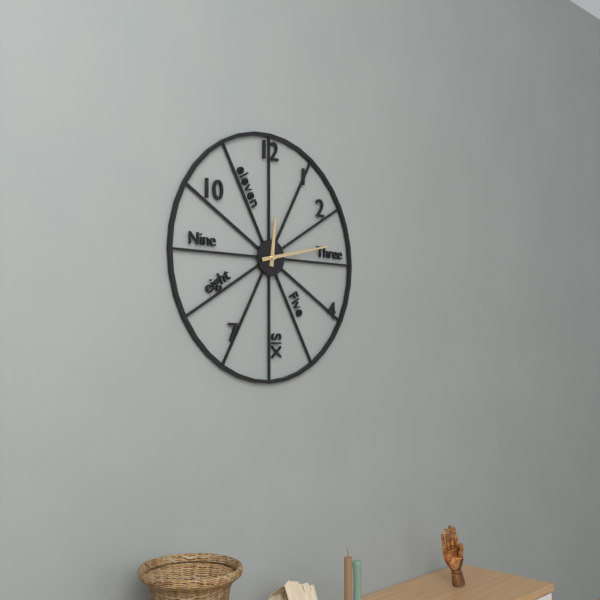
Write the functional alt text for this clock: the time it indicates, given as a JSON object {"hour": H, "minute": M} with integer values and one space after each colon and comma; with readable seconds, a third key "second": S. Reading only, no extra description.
{"hour": 12, "minute": 13}
